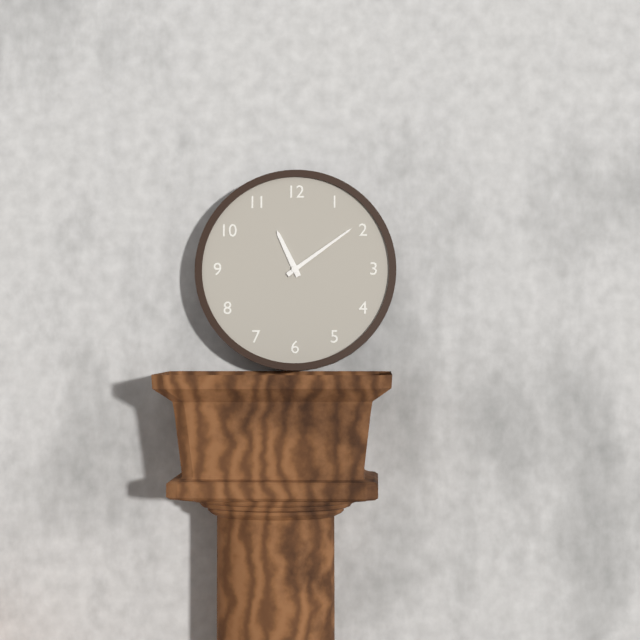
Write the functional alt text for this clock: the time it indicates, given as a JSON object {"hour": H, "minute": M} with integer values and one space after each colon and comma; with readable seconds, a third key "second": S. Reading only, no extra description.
{"hour": 11, "minute": 9}
